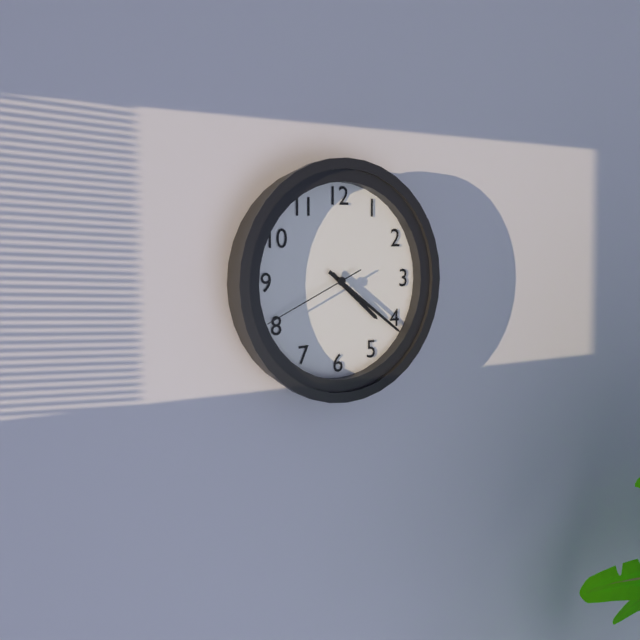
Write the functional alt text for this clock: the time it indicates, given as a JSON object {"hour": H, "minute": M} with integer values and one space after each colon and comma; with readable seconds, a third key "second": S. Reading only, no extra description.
{"hour": 4, "minute": 21, "second": 41}
